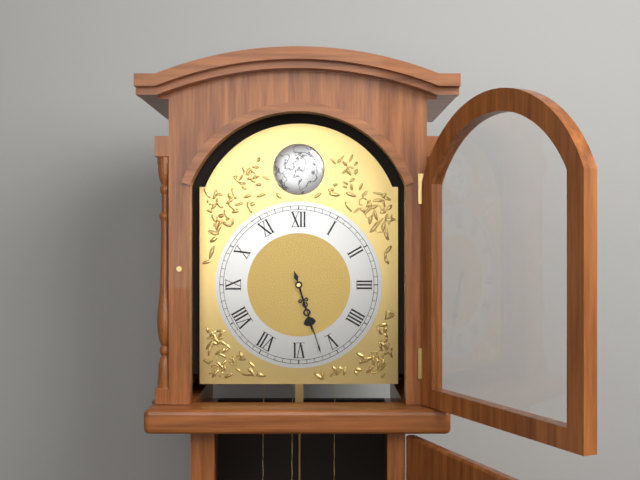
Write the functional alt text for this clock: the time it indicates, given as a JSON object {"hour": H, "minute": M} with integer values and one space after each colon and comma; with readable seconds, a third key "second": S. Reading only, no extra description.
{"hour": 5, "minute": 27}
